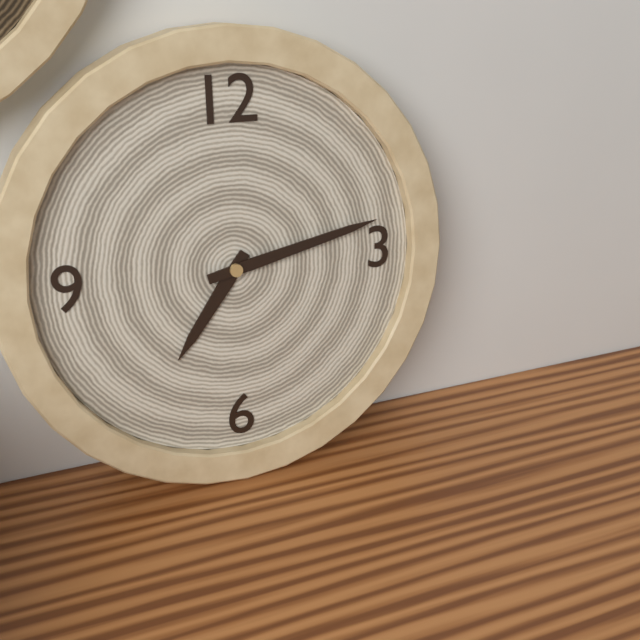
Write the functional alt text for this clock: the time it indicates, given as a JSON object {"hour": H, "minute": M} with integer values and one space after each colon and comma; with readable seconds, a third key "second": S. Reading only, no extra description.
{"hour": 7, "minute": 13}
